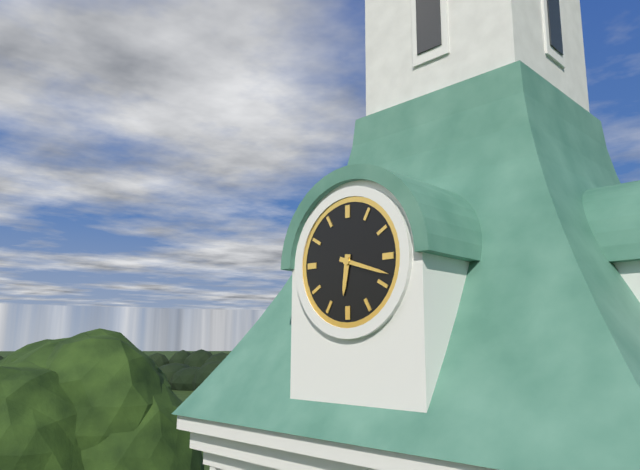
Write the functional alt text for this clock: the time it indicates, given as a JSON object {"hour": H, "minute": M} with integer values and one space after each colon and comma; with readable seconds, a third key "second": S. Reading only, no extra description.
{"hour": 6, "minute": 18}
